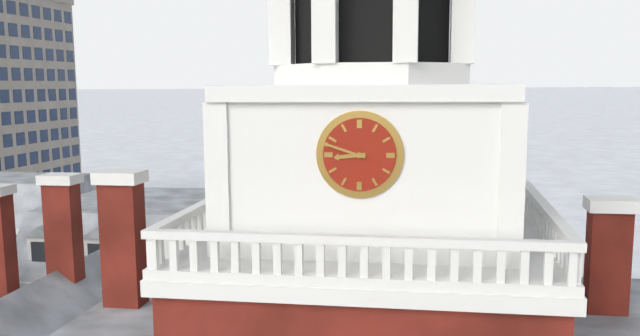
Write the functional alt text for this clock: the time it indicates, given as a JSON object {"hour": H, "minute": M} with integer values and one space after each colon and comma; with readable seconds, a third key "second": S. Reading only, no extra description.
{"hour": 8, "minute": 48}
